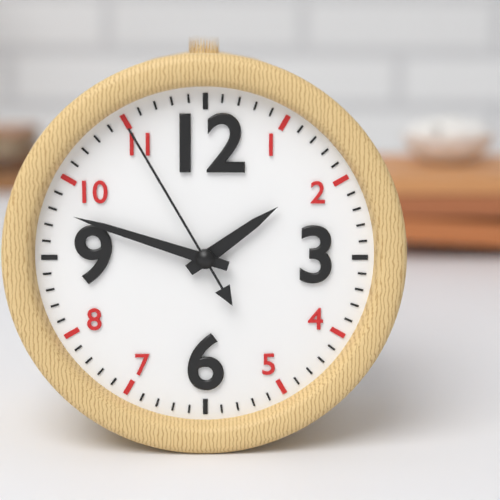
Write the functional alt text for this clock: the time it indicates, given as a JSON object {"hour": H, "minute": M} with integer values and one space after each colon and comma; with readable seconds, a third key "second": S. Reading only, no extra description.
{"hour": 1, "minute": 48, "second": 55}
